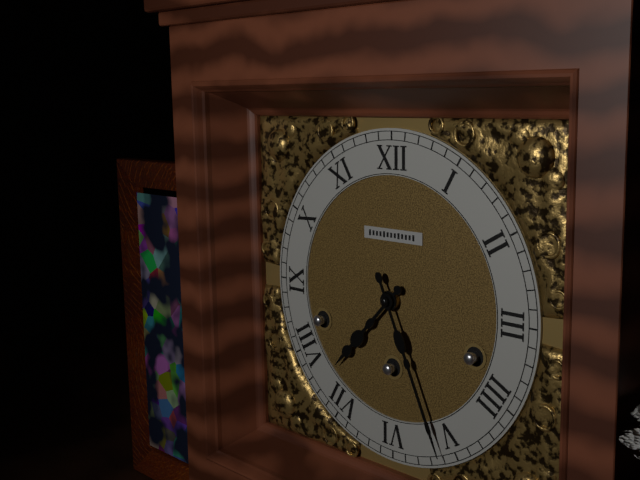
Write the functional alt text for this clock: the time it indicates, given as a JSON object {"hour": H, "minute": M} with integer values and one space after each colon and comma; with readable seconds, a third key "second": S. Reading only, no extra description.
{"hour": 7, "minute": 26}
